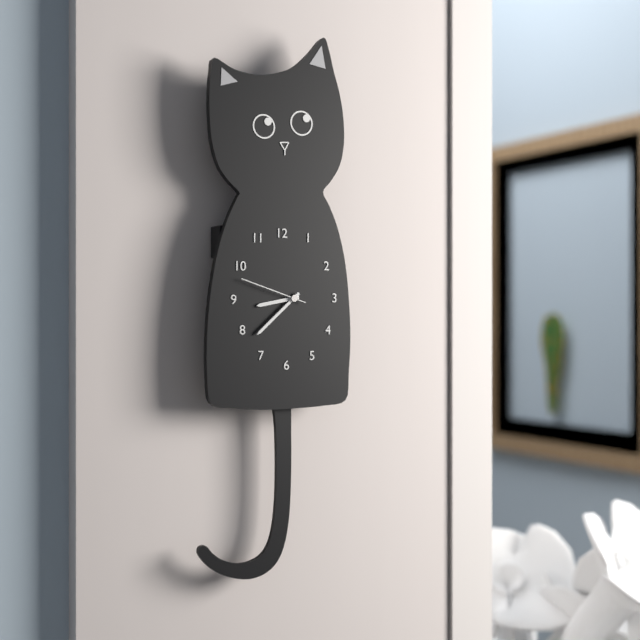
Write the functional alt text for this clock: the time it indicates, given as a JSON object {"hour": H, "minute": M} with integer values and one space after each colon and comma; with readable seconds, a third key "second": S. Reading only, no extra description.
{"hour": 8, "minute": 38, "second": 48}
